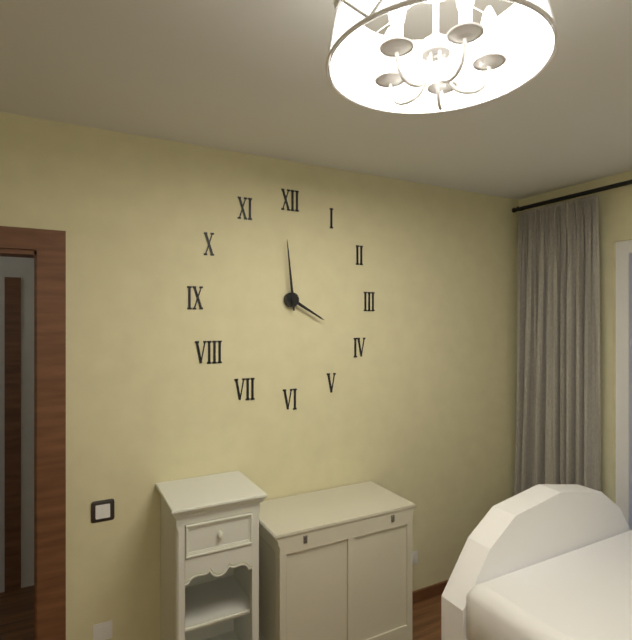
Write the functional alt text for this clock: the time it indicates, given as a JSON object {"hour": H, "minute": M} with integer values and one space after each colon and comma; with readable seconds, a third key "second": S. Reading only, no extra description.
{"hour": 3, "minute": 59}
